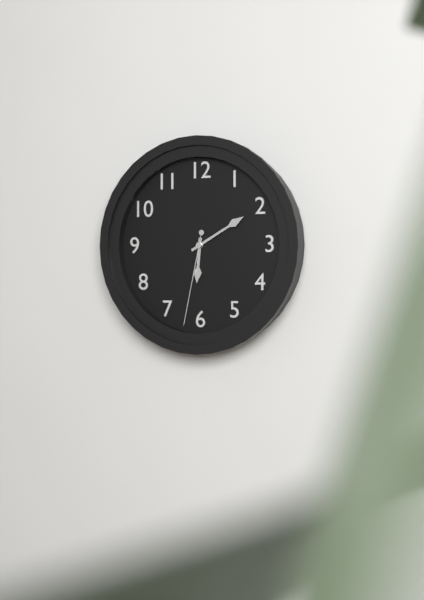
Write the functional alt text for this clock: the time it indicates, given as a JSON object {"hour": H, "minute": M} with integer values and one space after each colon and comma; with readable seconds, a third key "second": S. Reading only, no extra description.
{"hour": 6, "minute": 10, "second": 32}
